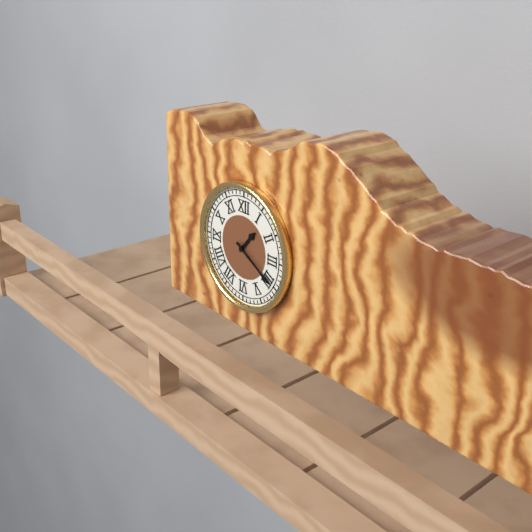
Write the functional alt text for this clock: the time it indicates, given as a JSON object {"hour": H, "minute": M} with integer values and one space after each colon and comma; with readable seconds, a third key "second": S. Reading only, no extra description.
{"hour": 1, "minute": 20}
